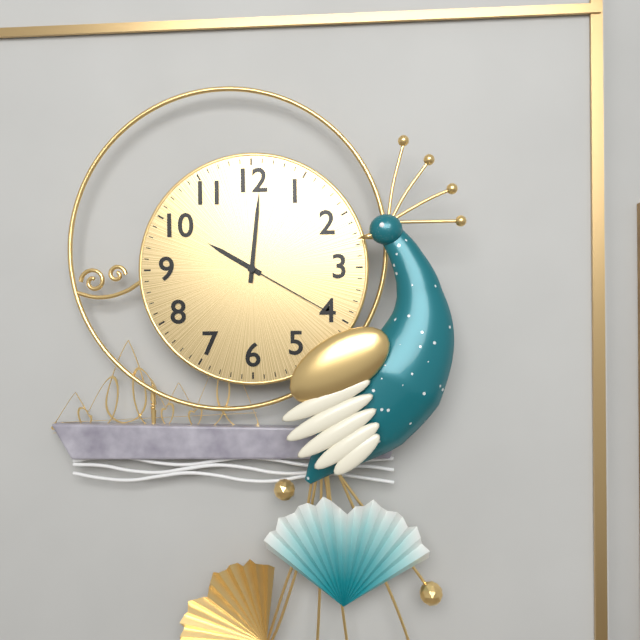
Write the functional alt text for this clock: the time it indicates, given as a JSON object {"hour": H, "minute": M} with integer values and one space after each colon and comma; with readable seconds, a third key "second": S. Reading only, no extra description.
{"hour": 10, "minute": 1, "second": 20}
